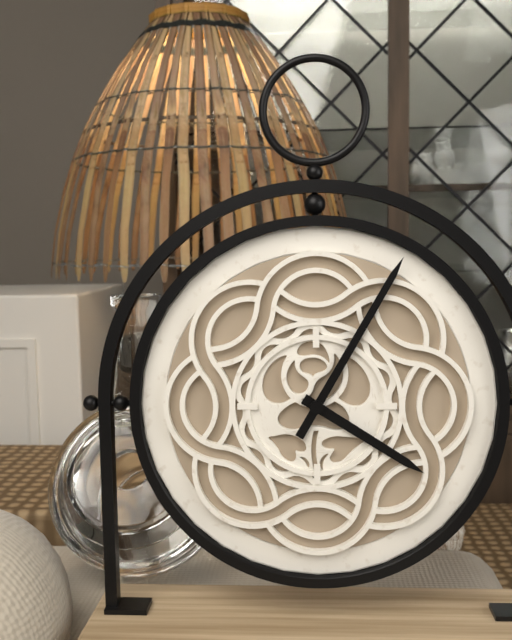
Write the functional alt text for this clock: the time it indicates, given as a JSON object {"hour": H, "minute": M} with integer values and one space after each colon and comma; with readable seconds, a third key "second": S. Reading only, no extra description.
{"hour": 4, "minute": 5}
